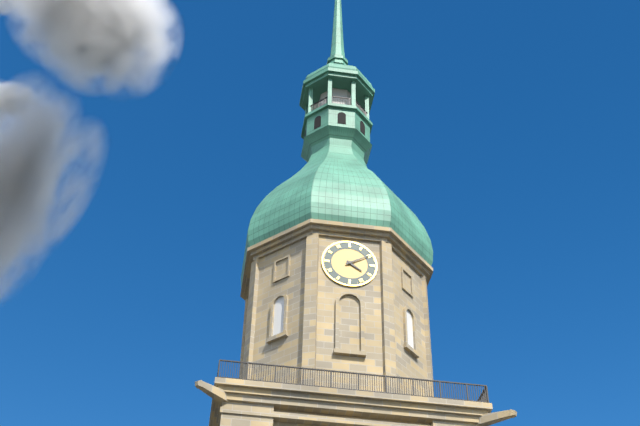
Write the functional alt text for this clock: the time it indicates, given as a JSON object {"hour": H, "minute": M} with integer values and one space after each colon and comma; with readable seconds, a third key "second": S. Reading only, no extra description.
{"hour": 4, "minute": 10}
